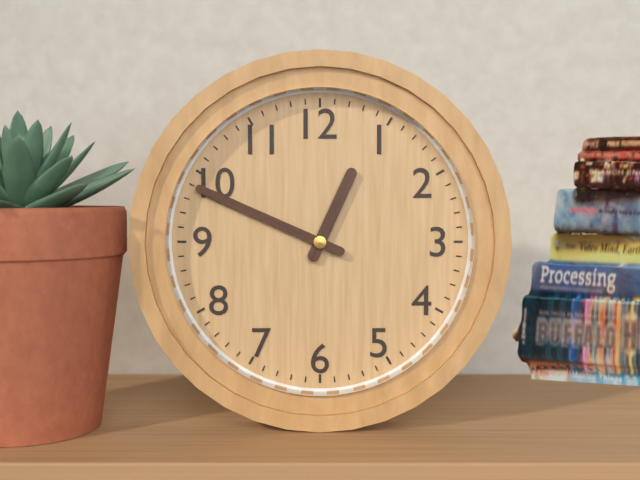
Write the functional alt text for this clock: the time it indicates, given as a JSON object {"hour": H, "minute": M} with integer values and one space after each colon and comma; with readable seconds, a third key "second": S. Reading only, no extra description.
{"hour": 12, "minute": 49}
